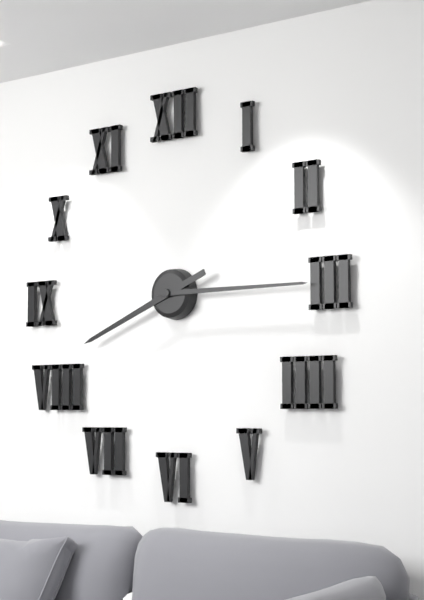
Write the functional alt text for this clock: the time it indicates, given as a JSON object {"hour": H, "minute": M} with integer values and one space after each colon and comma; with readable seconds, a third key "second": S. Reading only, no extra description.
{"hour": 8, "minute": 15}
